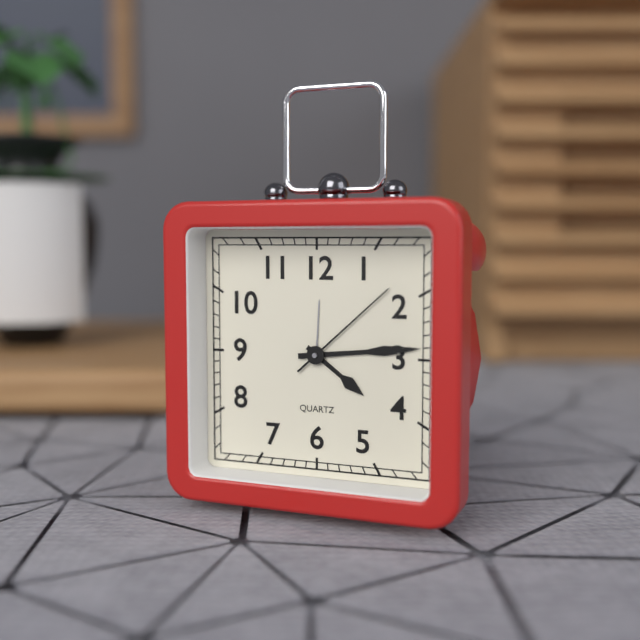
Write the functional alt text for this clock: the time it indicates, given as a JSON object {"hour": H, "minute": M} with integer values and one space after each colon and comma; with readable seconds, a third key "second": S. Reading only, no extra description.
{"hour": 4, "minute": 14, "second": 8}
